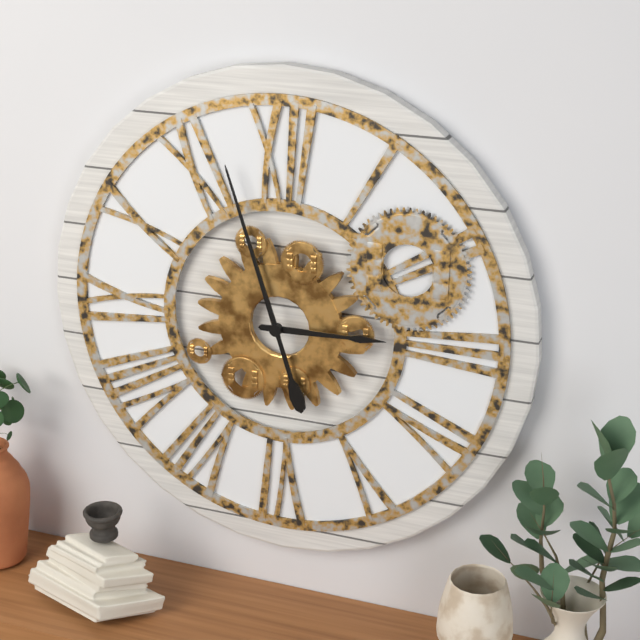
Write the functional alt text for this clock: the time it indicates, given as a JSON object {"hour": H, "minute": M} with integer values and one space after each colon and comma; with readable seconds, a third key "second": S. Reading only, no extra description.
{"hour": 2, "minute": 57}
